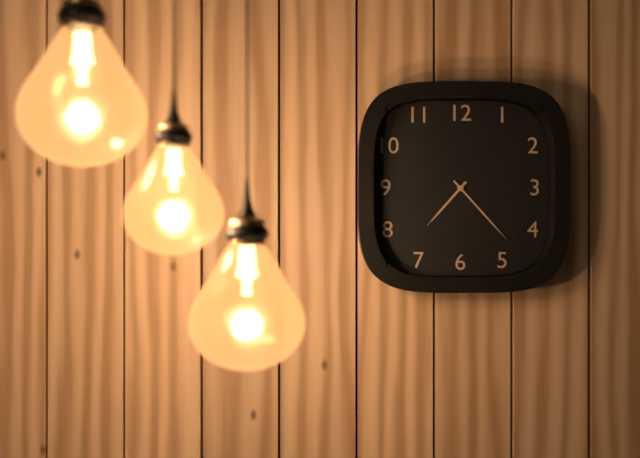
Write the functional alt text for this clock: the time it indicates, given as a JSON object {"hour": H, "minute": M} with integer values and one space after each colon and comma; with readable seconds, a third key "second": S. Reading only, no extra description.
{"hour": 7, "minute": 23}
